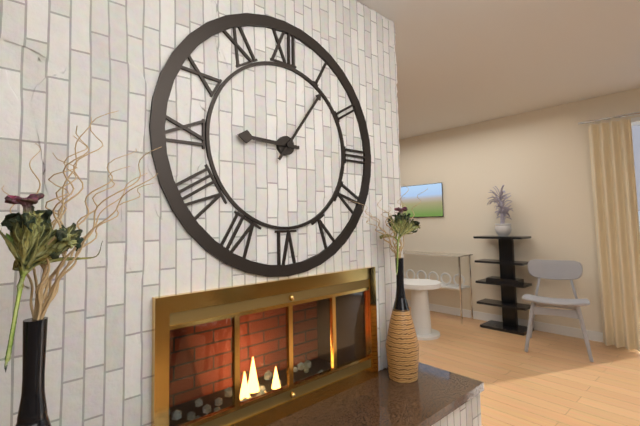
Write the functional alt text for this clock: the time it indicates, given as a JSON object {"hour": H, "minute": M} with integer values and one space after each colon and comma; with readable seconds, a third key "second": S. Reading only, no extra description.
{"hour": 9, "minute": 6}
